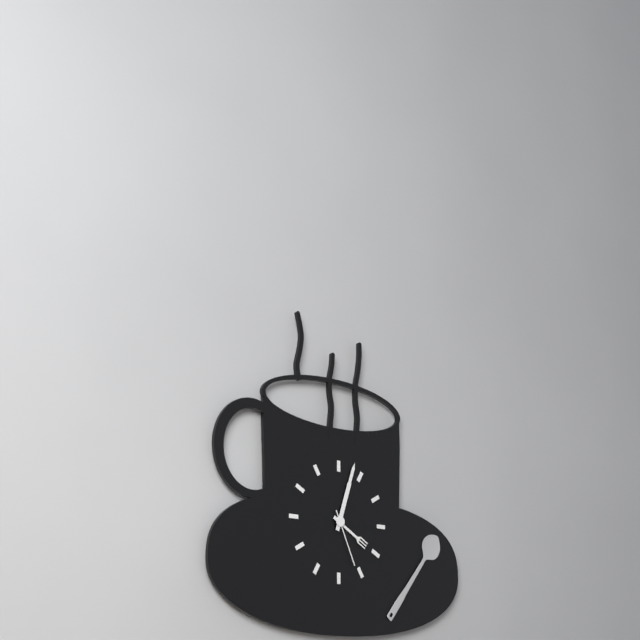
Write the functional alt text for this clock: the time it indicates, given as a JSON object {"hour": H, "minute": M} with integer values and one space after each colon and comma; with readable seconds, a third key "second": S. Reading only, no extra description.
{"hour": 4, "minute": 3, "second": 26}
